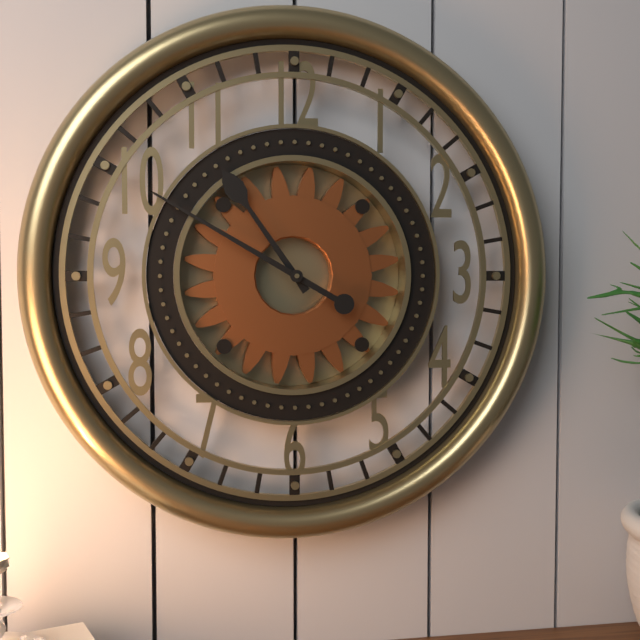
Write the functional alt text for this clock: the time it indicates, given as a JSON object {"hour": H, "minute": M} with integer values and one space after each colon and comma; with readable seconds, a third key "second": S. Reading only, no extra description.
{"hour": 10, "minute": 50}
